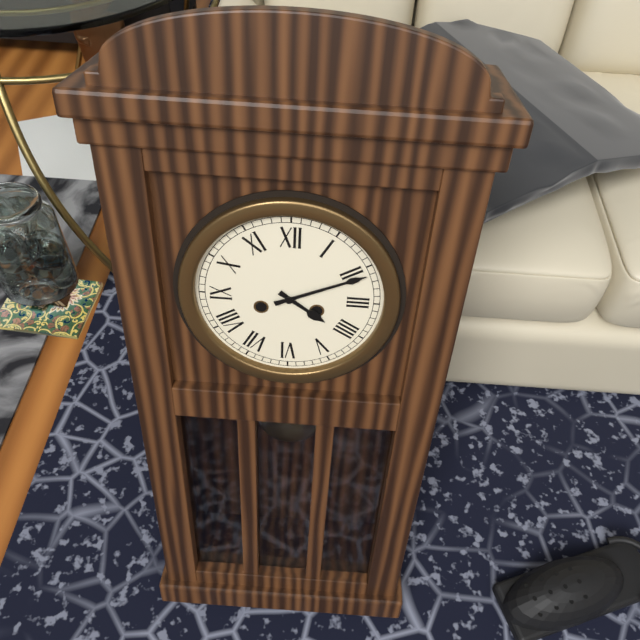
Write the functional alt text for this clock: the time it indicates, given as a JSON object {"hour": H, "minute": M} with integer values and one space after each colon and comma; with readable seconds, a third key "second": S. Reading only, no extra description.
{"hour": 4, "minute": 11}
